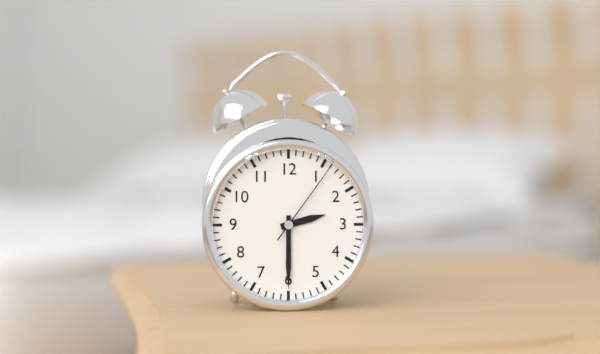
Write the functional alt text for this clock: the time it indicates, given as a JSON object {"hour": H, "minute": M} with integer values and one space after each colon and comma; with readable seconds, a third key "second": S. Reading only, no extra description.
{"hour": 2, "minute": 30, "second": 6}
